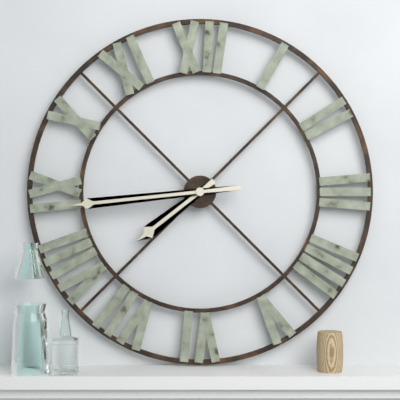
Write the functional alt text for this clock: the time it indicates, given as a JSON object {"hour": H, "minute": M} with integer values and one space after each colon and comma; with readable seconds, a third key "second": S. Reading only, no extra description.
{"hour": 7, "minute": 44}
